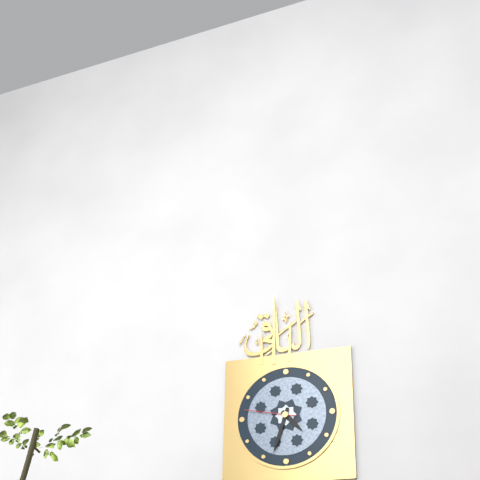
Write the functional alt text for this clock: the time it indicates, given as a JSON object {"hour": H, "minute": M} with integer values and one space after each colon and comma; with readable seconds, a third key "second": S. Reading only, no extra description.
{"hour": 4, "minute": 33, "second": 47}
